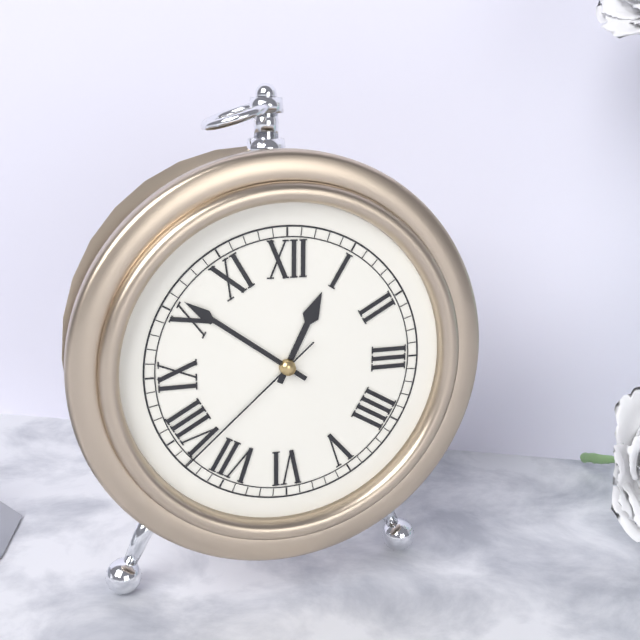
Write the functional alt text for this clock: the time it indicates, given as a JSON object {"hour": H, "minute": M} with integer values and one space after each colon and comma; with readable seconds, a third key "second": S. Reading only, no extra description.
{"hour": 12, "minute": 51, "second": 38}
